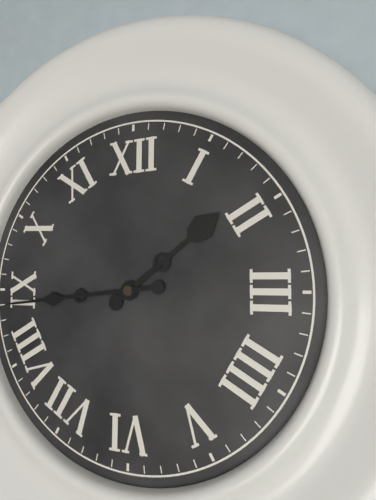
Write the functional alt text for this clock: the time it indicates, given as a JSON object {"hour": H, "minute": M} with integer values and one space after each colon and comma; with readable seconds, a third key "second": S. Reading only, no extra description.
{"hour": 1, "minute": 44}
